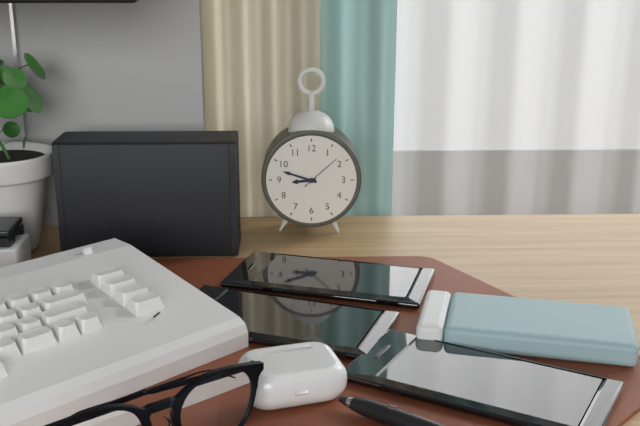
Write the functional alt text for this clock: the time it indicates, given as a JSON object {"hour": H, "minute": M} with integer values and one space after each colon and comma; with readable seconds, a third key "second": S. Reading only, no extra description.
{"hour": 8, "minute": 48}
